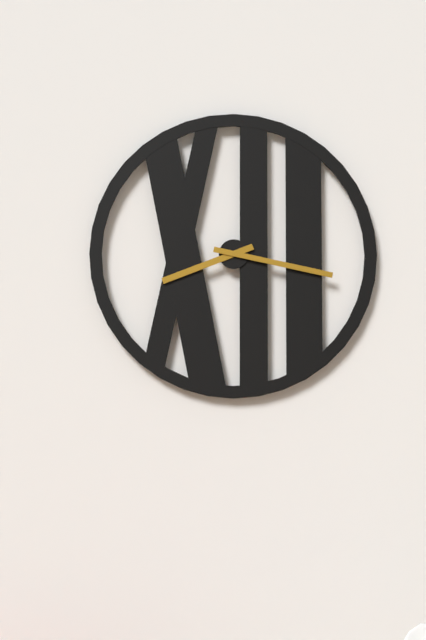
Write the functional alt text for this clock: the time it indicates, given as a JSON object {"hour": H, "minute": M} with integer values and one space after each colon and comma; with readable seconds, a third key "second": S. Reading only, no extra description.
{"hour": 8, "minute": 17}
